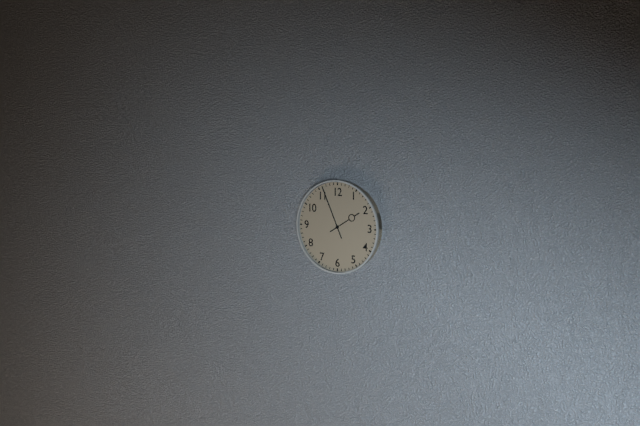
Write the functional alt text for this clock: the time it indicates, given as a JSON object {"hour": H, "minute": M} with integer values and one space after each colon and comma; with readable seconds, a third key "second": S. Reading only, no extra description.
{"hour": 1, "minute": 56}
